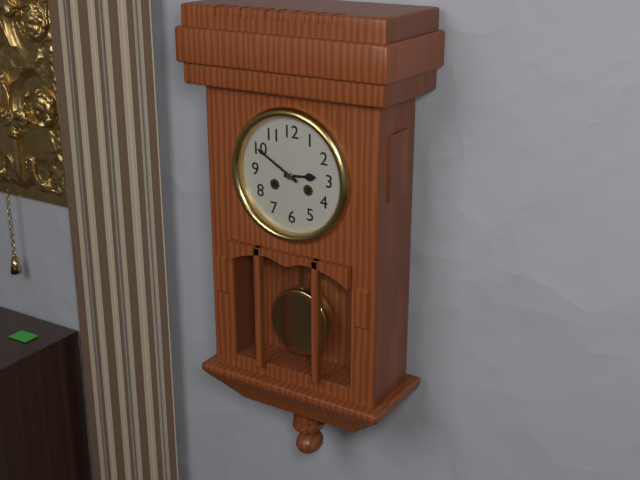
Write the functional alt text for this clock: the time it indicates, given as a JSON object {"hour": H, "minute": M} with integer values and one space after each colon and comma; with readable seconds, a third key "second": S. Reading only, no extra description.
{"hour": 2, "minute": 50}
